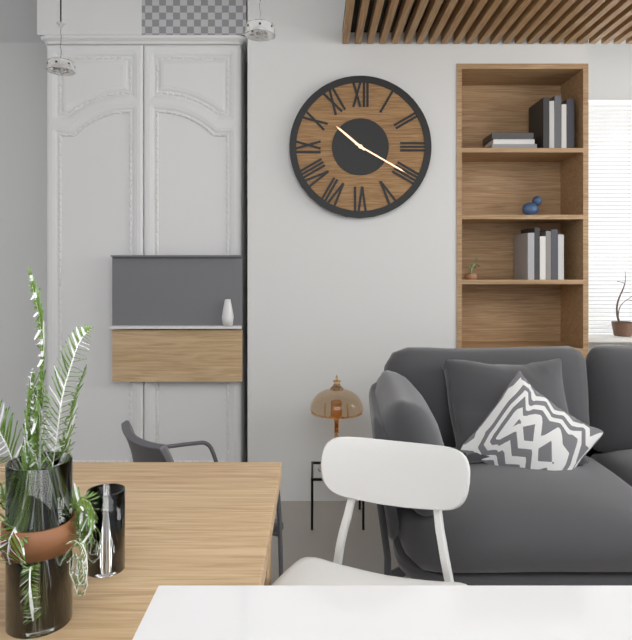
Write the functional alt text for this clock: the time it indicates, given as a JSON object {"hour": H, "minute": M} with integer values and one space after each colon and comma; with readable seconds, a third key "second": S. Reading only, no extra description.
{"hour": 10, "minute": 20}
